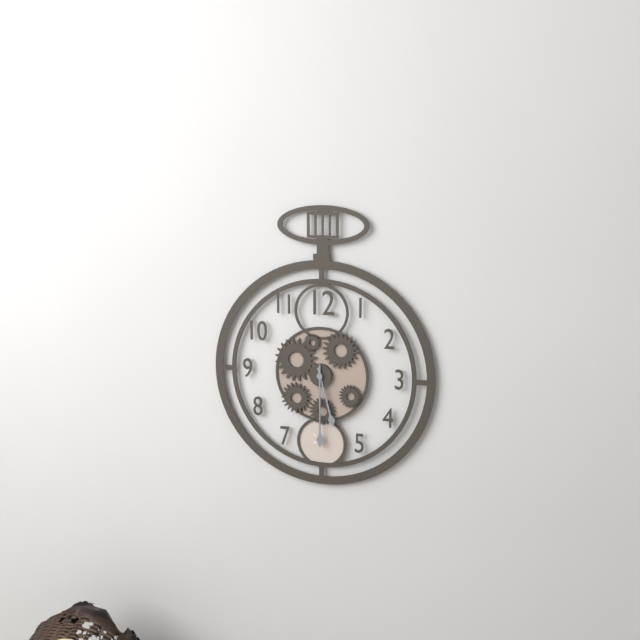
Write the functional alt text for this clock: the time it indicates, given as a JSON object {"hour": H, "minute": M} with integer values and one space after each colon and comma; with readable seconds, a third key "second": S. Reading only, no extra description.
{"hour": 5, "minute": 30}
